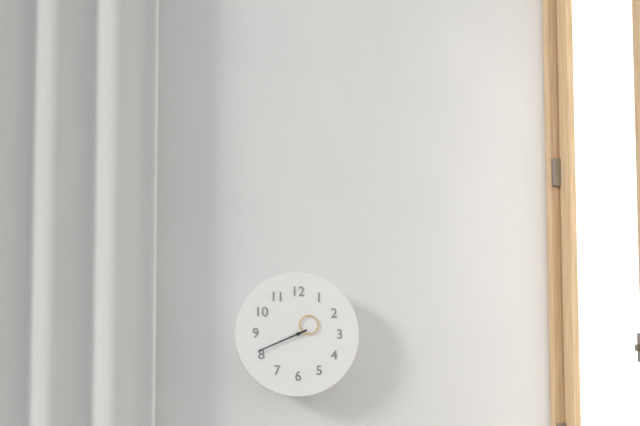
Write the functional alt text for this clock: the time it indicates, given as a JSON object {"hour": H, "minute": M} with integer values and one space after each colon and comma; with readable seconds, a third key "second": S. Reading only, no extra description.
{"hour": 1, "minute": 41}
